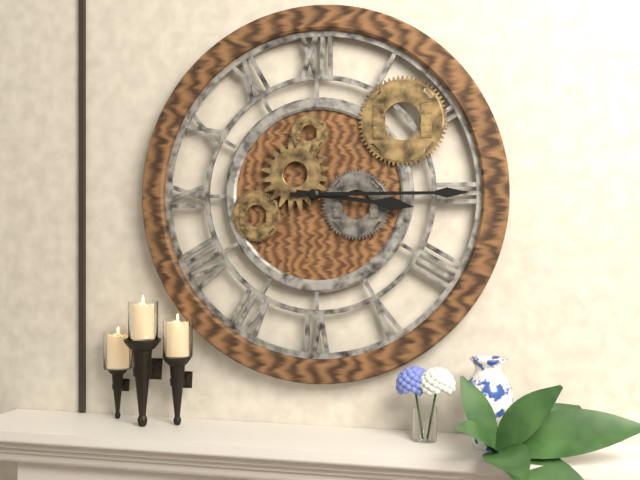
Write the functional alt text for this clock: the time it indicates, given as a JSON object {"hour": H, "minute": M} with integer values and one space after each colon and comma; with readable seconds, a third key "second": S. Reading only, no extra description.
{"hour": 3, "minute": 15}
